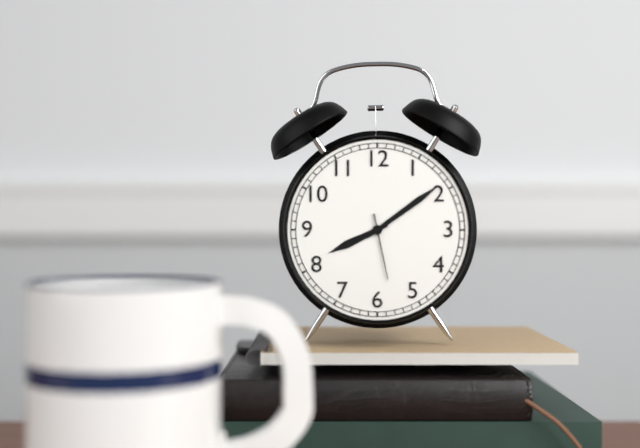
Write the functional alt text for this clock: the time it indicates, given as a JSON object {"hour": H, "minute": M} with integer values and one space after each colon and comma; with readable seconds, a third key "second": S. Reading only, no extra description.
{"hour": 8, "minute": 9, "second": 28}
